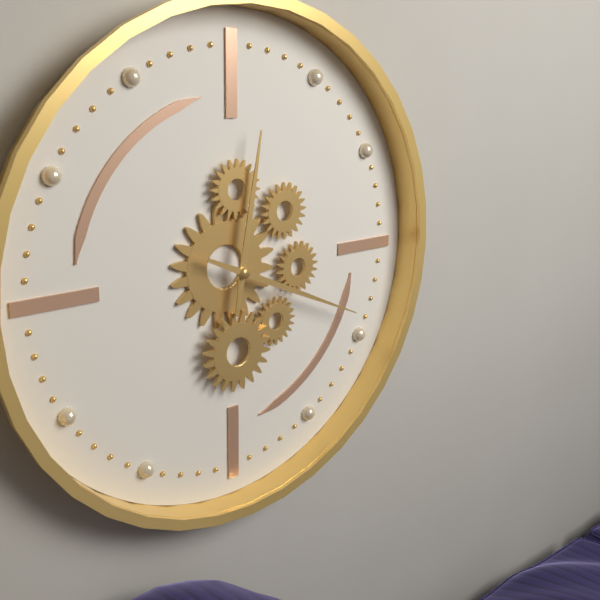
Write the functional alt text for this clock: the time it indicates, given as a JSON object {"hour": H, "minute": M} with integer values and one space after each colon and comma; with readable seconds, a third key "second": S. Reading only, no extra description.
{"hour": 12, "minute": 19}
